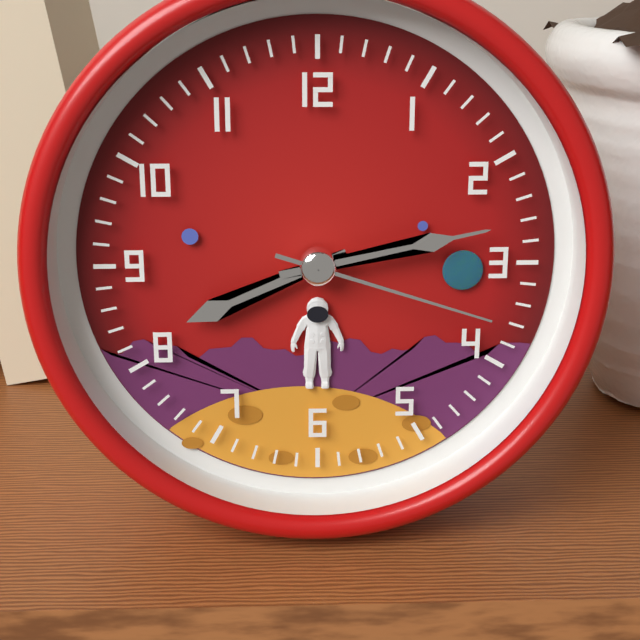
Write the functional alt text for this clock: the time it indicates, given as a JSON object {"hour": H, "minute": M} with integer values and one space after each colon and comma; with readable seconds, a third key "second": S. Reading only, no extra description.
{"hour": 8, "minute": 13, "second": 18}
